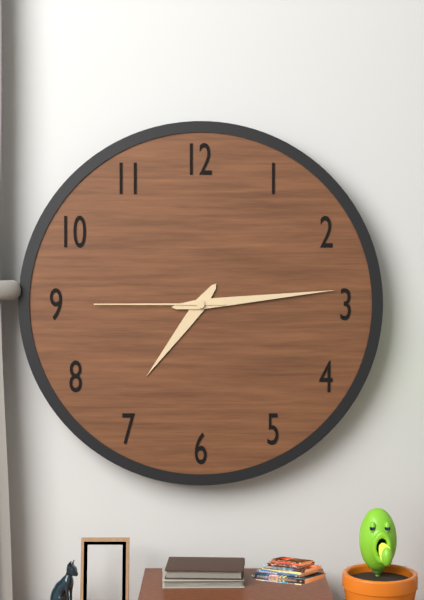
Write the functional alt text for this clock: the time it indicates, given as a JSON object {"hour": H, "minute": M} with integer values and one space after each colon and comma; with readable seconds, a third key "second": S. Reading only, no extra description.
{"hour": 7, "minute": 14, "second": 45}
